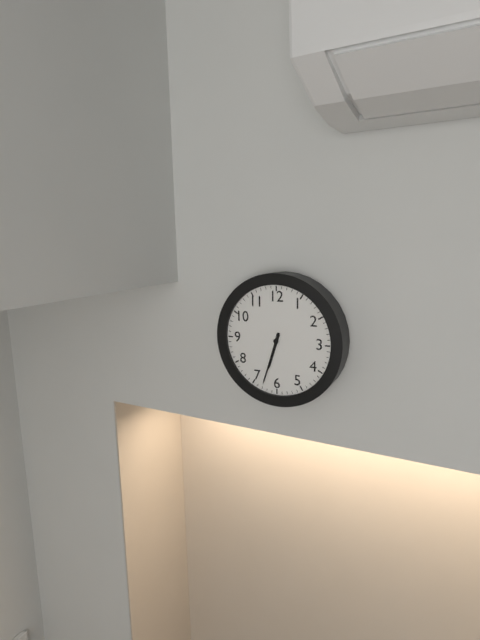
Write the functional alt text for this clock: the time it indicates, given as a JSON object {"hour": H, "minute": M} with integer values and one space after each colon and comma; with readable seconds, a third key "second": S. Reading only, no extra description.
{"hour": 6, "minute": 33}
